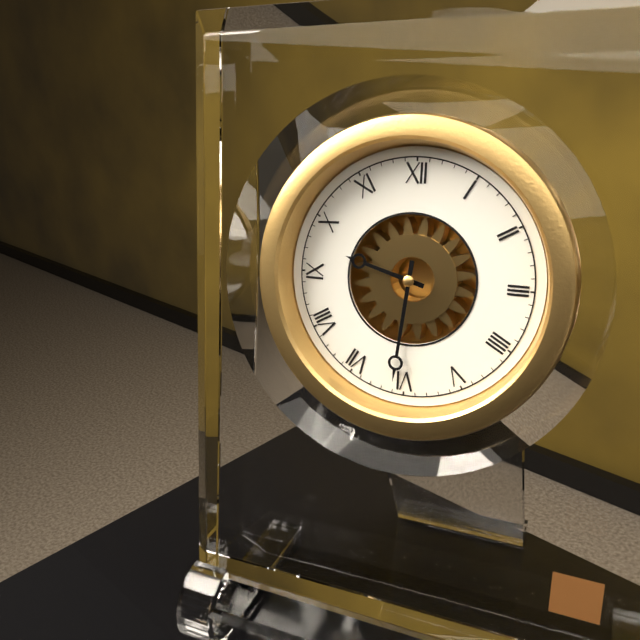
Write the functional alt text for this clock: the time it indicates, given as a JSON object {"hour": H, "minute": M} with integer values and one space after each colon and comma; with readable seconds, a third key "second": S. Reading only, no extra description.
{"hour": 9, "minute": 31}
